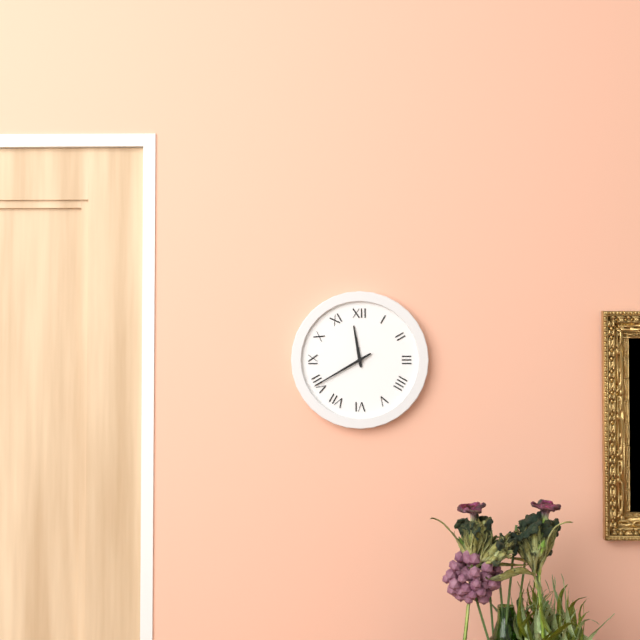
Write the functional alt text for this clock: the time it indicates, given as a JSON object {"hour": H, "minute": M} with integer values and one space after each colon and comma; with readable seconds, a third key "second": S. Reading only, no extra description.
{"hour": 11, "minute": 40}
